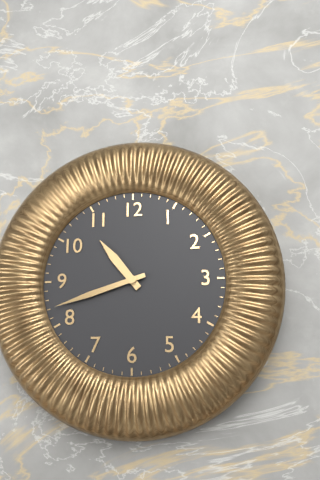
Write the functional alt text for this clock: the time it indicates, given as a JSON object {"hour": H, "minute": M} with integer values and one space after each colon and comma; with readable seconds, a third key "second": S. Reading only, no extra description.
{"hour": 10, "minute": 42}
